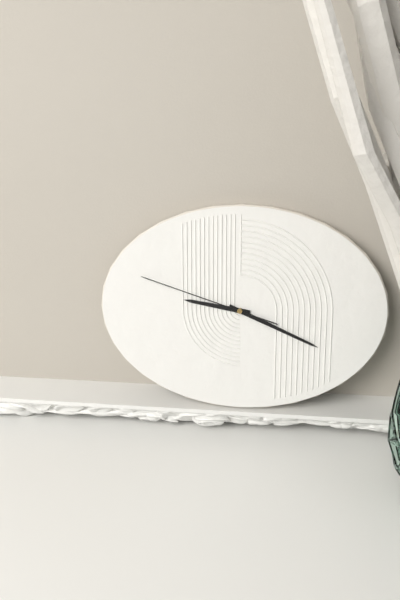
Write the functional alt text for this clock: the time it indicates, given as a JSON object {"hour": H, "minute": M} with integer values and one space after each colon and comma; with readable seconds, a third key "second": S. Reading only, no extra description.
{"hour": 9, "minute": 19, "second": 48}
